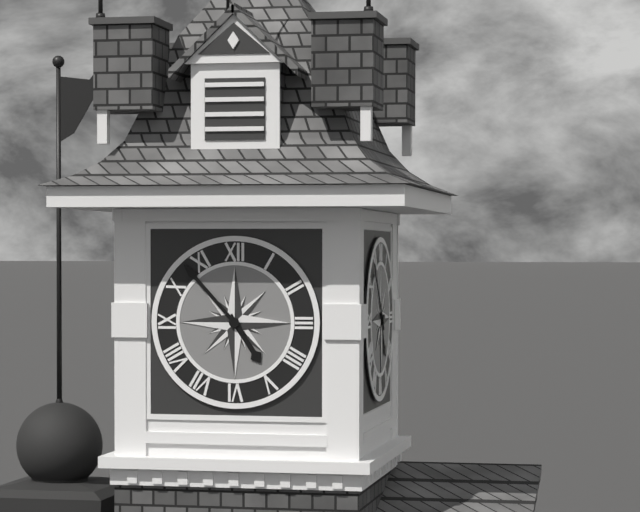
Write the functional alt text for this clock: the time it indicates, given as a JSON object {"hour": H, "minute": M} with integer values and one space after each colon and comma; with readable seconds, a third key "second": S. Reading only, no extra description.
{"hour": 4, "minute": 53}
